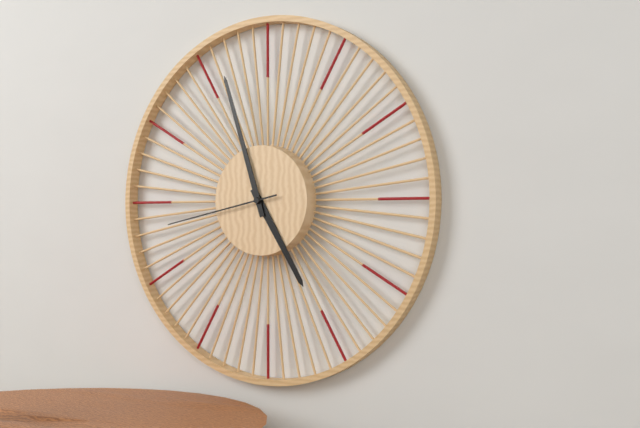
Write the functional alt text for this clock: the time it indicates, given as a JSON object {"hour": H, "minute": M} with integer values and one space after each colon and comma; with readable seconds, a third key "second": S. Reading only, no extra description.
{"hour": 4, "minute": 57, "second": 43}
